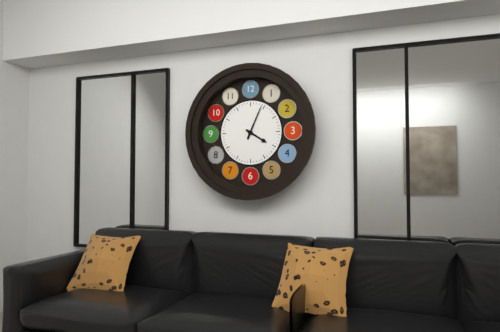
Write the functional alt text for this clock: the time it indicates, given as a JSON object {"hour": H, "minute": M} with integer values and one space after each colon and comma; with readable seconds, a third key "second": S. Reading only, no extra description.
{"hour": 4, "minute": 4}
